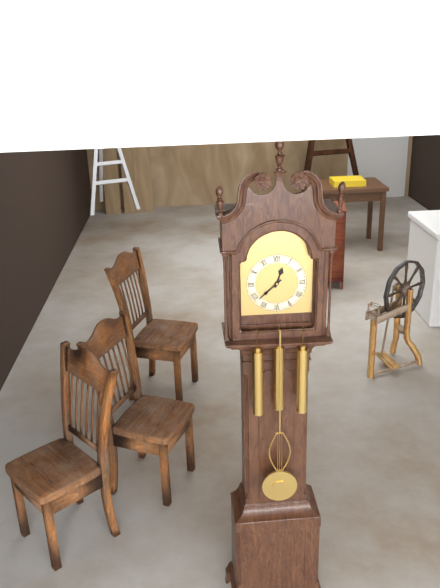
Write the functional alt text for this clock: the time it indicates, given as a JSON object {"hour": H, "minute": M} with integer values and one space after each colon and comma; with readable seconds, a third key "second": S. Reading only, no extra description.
{"hour": 12, "minute": 38}
